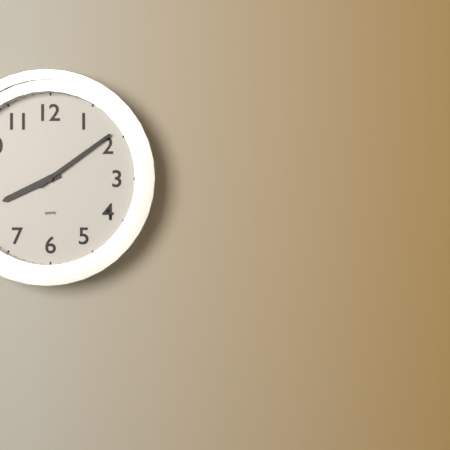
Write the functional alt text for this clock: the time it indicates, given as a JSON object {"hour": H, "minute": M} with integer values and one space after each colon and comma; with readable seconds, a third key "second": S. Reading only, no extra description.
{"hour": 8, "minute": 9}
